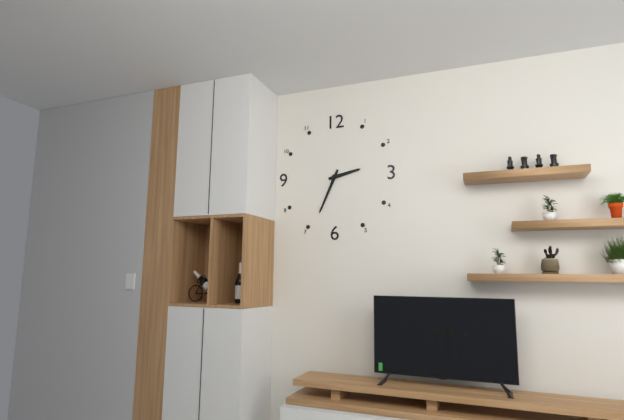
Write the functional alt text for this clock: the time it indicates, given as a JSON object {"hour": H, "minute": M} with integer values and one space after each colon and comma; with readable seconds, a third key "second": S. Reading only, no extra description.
{"hour": 2, "minute": 34}
